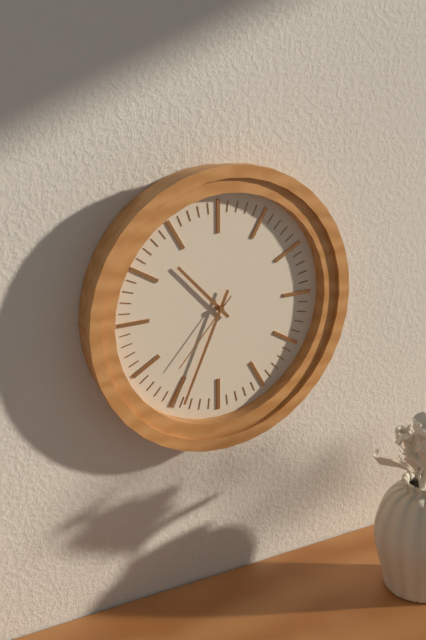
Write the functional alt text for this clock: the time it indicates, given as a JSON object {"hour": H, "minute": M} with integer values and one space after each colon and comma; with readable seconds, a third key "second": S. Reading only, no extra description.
{"hour": 10, "minute": 34, "second": 37}
